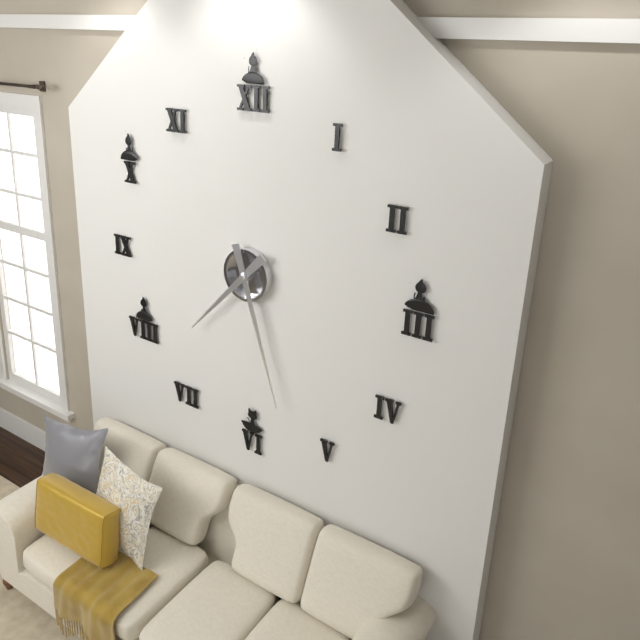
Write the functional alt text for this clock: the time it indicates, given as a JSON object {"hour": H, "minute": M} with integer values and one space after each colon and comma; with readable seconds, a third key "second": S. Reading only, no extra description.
{"hour": 7, "minute": 27}
